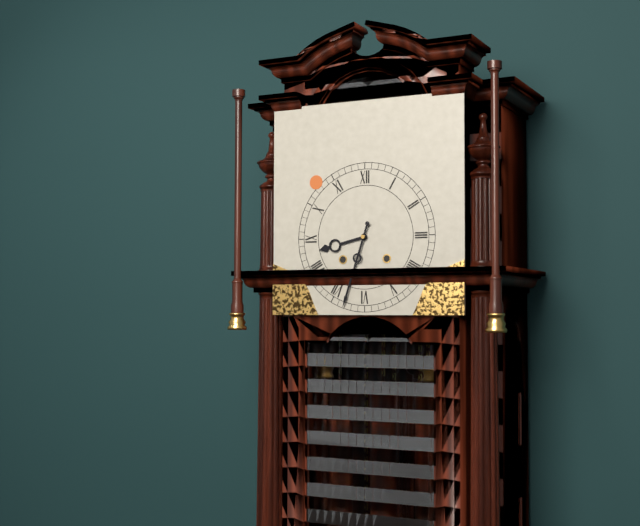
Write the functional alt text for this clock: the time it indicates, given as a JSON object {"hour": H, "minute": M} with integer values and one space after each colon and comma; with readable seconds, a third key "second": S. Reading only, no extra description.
{"hour": 8, "minute": 33}
